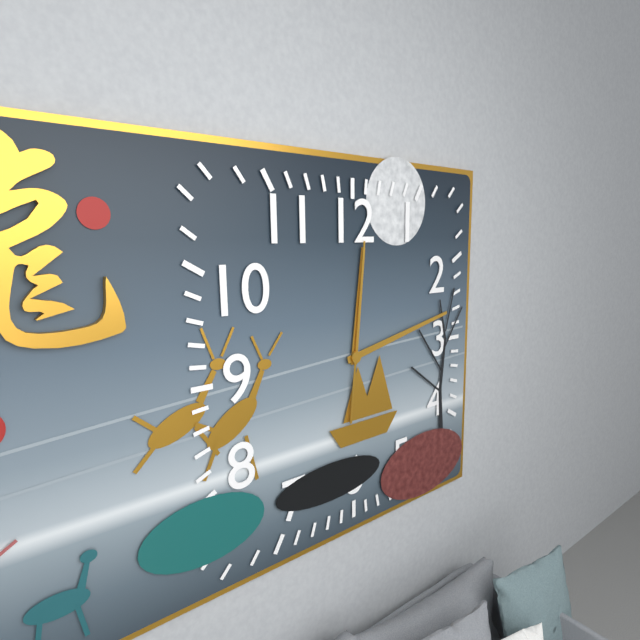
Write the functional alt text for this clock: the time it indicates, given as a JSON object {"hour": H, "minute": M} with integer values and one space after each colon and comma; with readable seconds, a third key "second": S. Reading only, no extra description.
{"hour": 12, "minute": 13, "second": 1}
